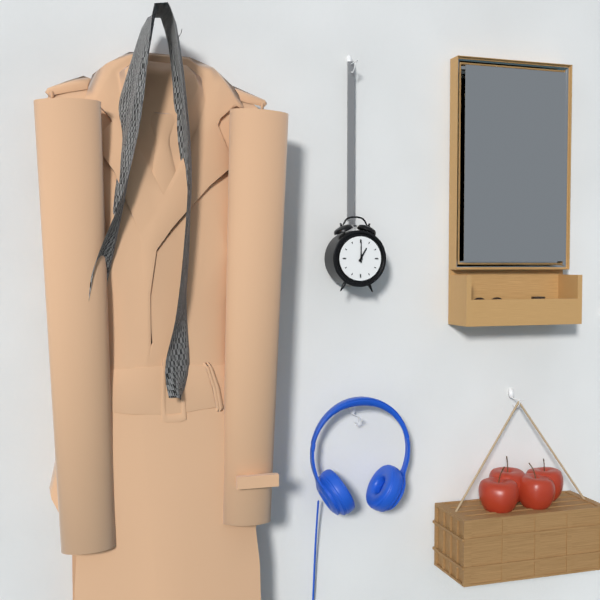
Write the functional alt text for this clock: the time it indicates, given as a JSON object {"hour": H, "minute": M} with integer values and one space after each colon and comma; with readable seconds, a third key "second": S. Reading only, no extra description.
{"hour": 1, "minute": 0}
